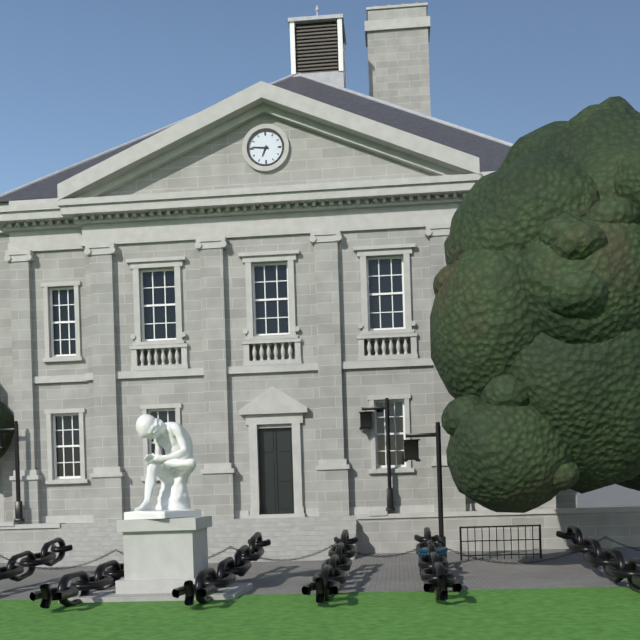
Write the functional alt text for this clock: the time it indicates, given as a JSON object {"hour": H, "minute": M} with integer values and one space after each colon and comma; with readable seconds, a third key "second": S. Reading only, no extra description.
{"hour": 6, "minute": 46}
